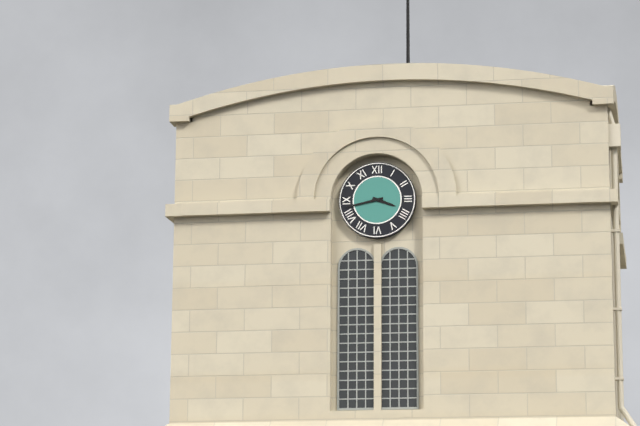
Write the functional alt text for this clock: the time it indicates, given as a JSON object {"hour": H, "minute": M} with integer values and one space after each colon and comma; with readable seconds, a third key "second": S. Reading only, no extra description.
{"hour": 3, "minute": 43}
